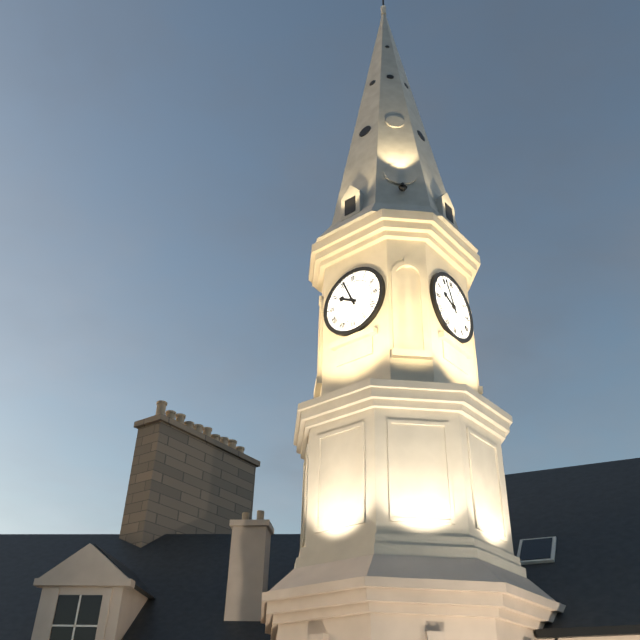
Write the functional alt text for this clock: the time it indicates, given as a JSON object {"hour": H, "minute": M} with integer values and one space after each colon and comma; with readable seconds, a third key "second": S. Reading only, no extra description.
{"hour": 9, "minute": 56}
